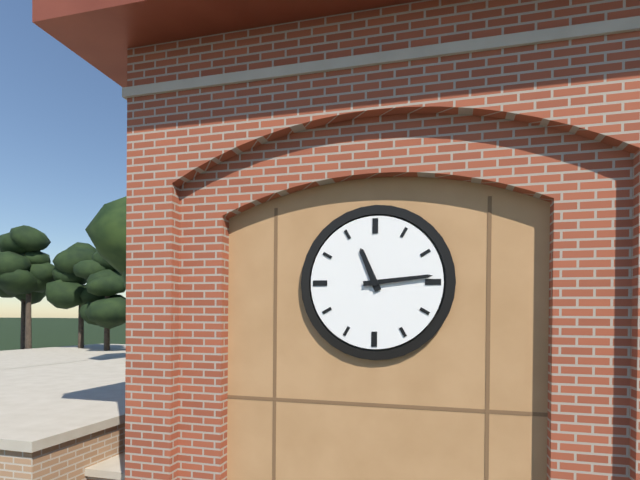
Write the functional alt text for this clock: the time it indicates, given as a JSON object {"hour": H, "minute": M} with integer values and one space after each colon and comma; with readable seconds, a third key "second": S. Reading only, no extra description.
{"hour": 11, "minute": 14}
